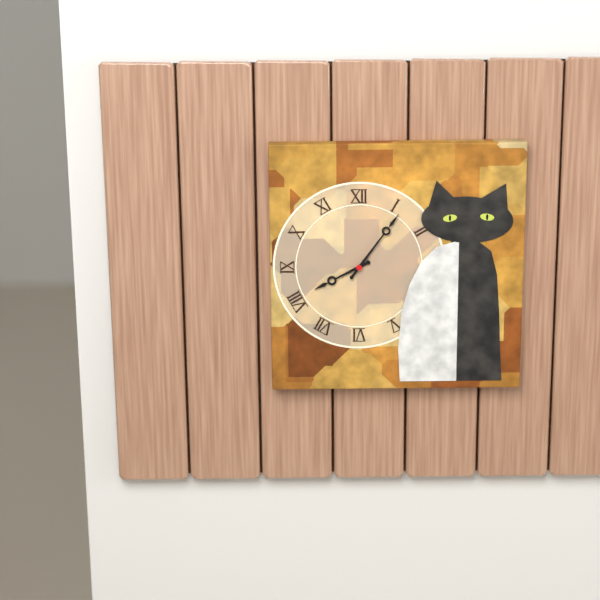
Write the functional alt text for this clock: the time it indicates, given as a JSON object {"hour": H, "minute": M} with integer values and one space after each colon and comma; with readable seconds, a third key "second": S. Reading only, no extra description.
{"hour": 8, "minute": 6}
